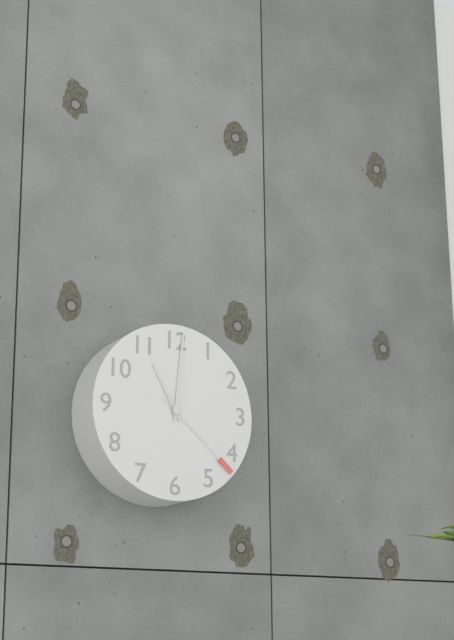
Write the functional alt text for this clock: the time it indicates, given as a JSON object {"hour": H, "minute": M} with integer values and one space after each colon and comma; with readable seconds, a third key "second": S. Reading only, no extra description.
{"hour": 11, "minute": 1, "second": 22}
